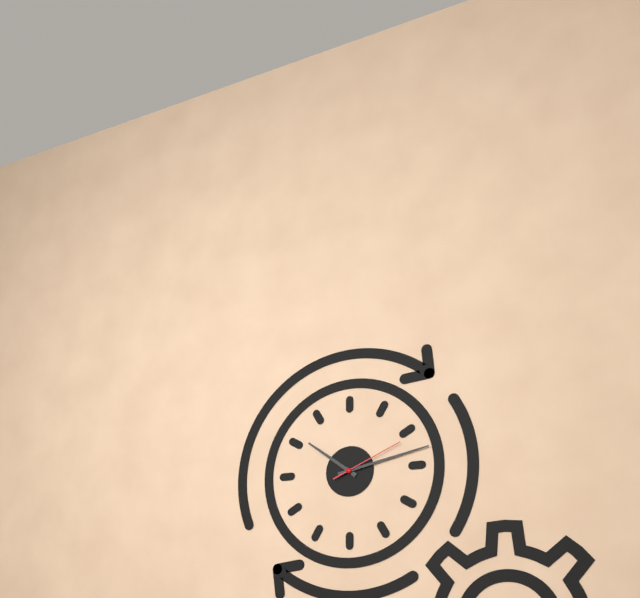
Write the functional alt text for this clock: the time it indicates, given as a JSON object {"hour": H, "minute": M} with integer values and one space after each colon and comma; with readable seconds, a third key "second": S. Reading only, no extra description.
{"hour": 10, "minute": 13, "second": 11}
